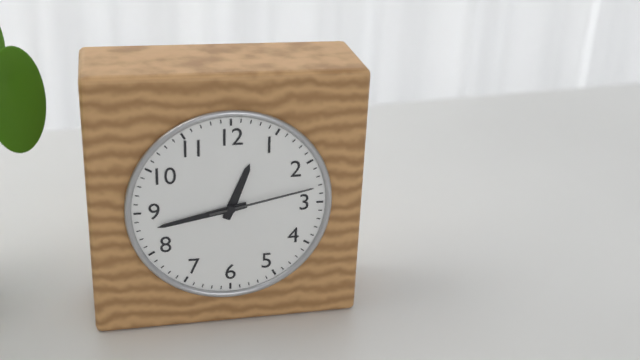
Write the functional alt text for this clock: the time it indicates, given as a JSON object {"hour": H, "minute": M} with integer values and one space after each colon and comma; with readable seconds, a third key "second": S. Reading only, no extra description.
{"hour": 12, "minute": 43, "second": 13}
